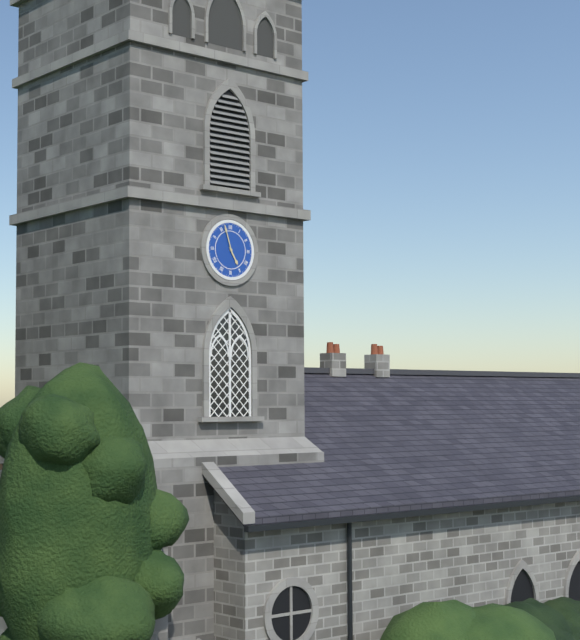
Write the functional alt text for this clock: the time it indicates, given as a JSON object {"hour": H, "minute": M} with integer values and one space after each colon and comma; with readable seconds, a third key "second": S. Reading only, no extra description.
{"hour": 4, "minute": 57}
